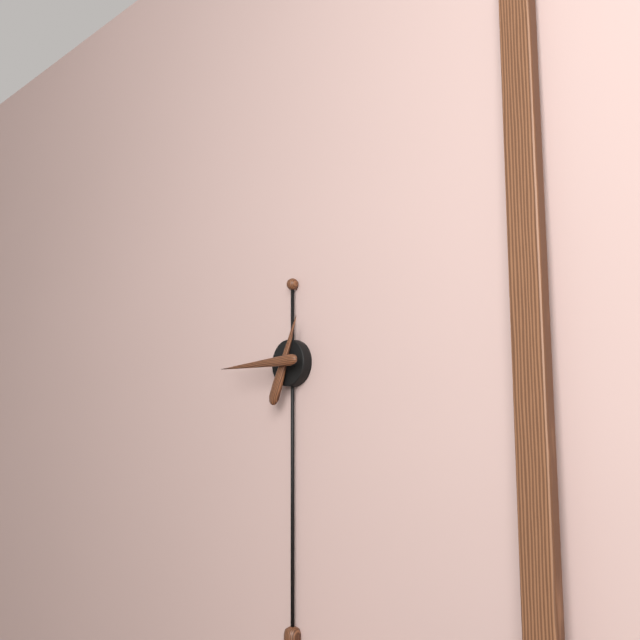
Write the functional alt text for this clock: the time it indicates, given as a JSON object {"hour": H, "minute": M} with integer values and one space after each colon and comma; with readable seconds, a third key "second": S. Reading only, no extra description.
{"hour": 12, "minute": 45}
